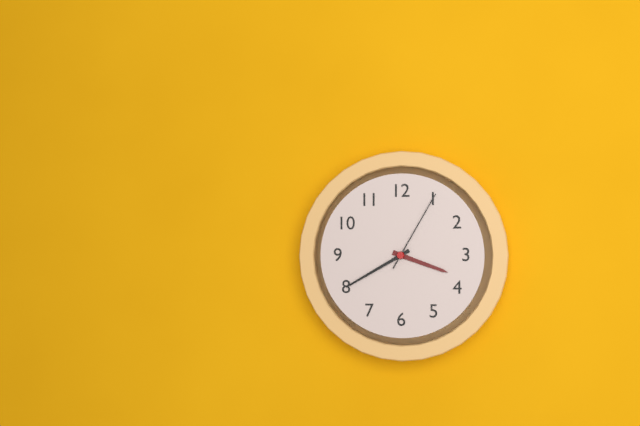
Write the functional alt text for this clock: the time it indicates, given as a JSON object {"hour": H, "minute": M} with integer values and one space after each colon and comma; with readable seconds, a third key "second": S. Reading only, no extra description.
{"hour": 3, "minute": 40, "second": 5}
